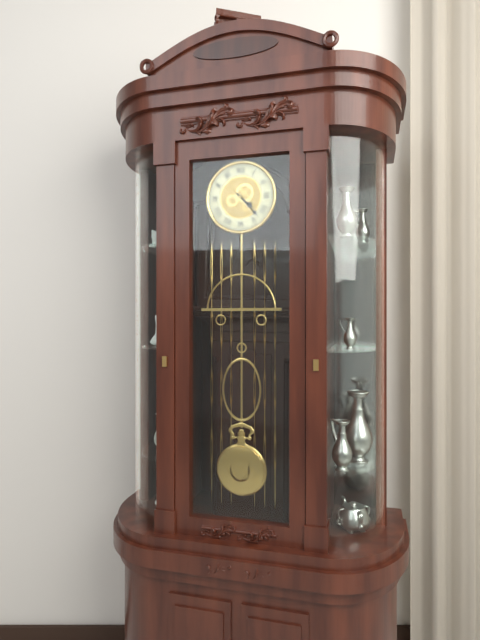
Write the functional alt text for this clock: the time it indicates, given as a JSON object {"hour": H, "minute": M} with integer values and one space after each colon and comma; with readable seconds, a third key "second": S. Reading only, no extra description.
{"hour": 4, "minute": 23}
